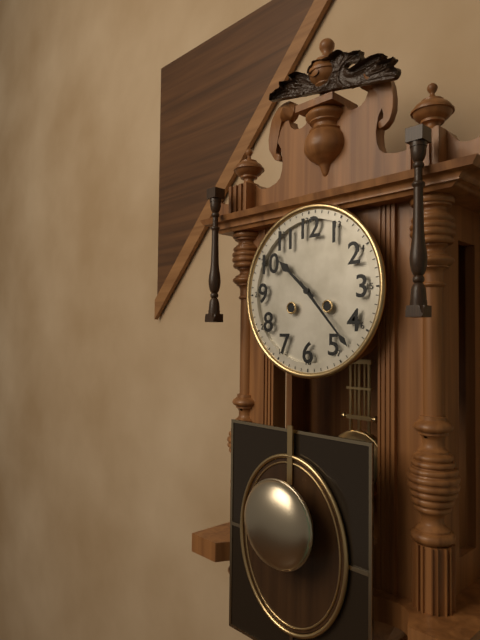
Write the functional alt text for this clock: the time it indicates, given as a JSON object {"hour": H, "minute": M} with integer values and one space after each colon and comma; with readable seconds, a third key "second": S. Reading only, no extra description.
{"hour": 10, "minute": 23}
